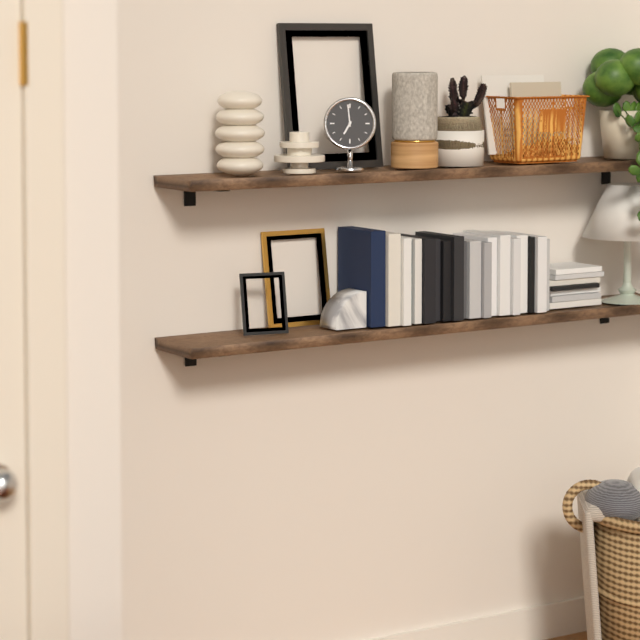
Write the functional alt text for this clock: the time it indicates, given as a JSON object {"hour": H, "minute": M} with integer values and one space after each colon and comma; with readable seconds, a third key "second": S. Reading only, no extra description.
{"hour": 6, "minute": 59}
